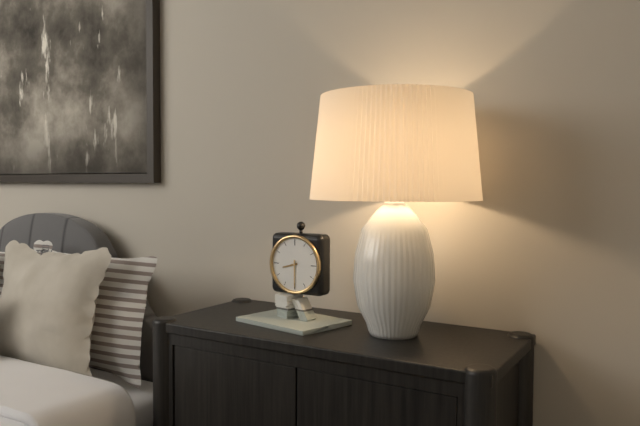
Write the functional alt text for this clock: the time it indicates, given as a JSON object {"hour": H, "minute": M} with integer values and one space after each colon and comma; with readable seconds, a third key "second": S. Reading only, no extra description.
{"hour": 8, "minute": 30}
